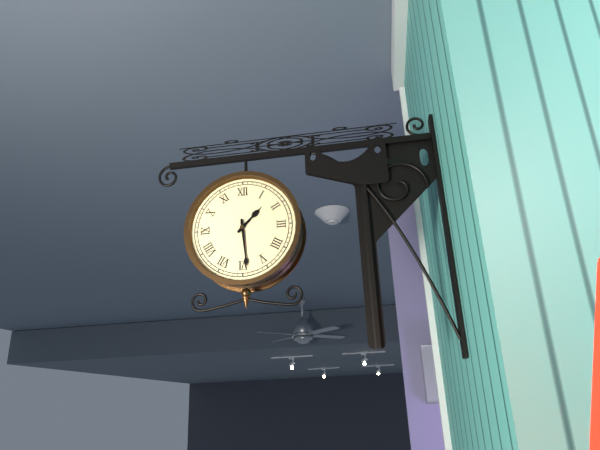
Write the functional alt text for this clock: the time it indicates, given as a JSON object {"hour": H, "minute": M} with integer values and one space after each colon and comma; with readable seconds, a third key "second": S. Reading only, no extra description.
{"hour": 1, "minute": 29}
